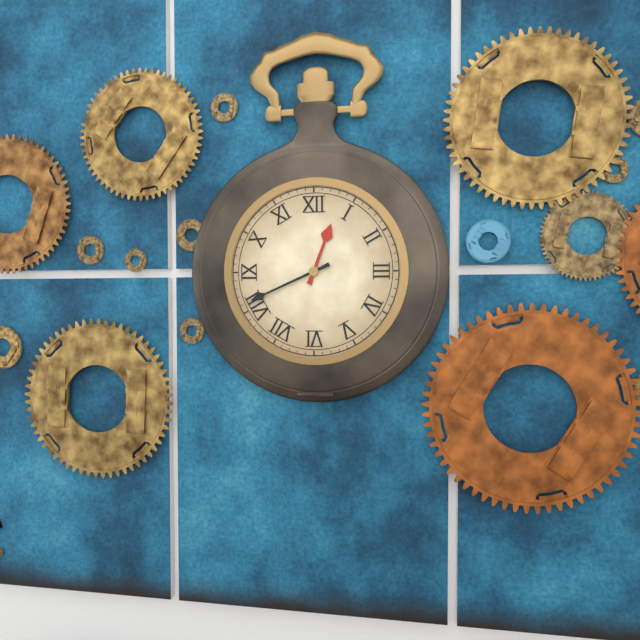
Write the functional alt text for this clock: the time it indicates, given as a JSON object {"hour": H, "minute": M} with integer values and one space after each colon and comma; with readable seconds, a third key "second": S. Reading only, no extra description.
{"hour": 12, "minute": 41}
